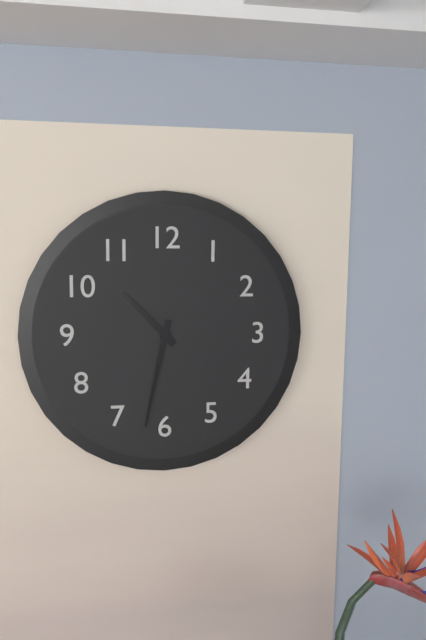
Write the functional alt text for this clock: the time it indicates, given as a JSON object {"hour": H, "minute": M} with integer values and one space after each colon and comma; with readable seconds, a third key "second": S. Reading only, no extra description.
{"hour": 10, "minute": 32}
